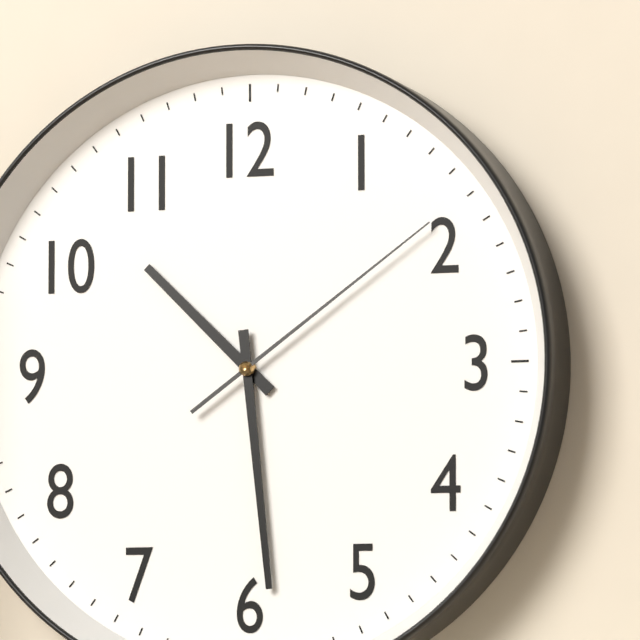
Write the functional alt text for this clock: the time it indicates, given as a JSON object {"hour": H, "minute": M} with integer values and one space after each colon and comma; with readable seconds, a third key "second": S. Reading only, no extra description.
{"hour": 10, "minute": 29, "second": 9}
